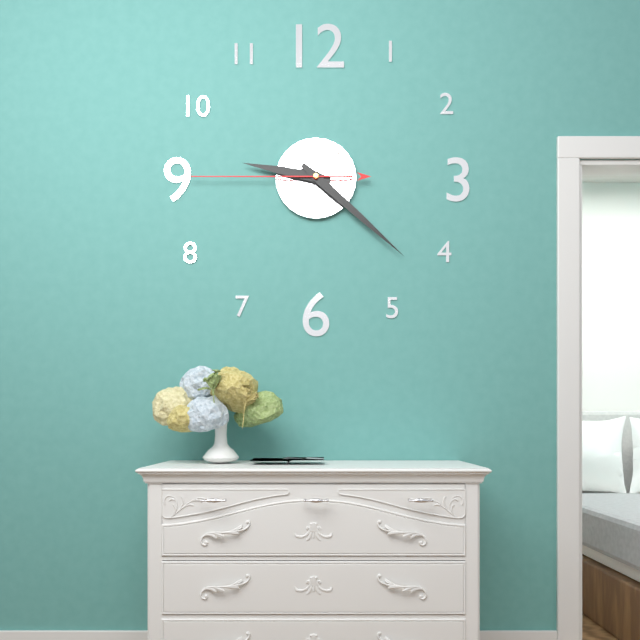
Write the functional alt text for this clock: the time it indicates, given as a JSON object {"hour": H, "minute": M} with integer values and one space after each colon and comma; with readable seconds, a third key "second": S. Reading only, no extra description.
{"hour": 9, "minute": 22, "second": 45}
